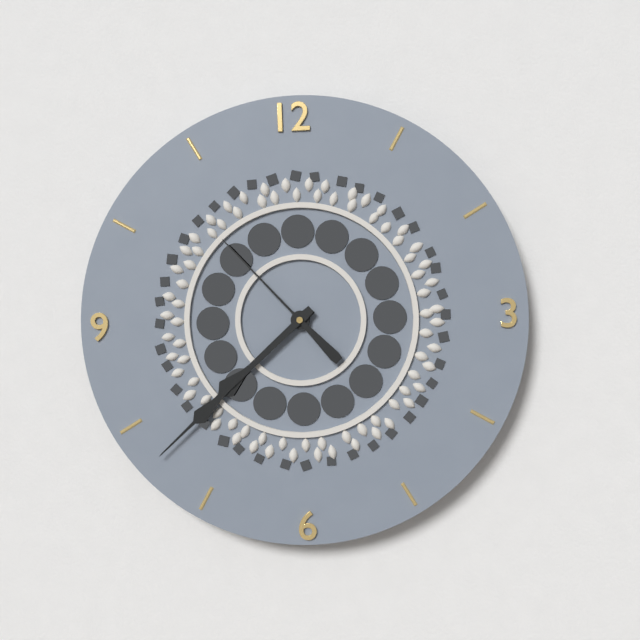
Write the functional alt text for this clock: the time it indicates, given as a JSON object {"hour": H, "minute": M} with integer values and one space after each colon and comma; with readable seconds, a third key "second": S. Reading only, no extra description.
{"hour": 7, "minute": 38, "second": 53}
